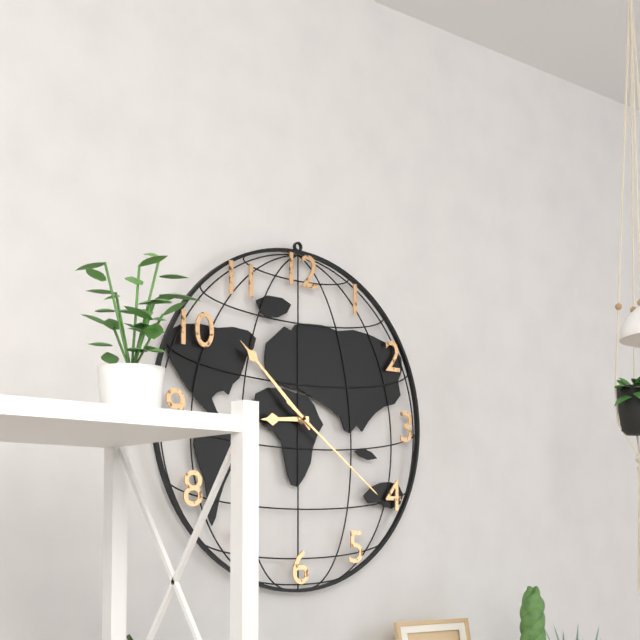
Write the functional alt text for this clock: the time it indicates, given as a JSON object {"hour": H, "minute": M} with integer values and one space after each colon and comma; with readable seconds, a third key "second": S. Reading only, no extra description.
{"hour": 8, "minute": 52, "second": 21}
